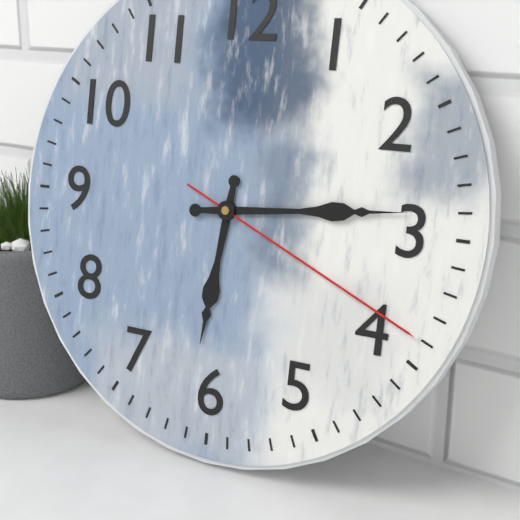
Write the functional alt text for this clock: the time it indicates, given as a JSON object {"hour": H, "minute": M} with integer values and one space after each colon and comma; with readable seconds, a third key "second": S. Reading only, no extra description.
{"hour": 6, "minute": 14, "second": 19}
